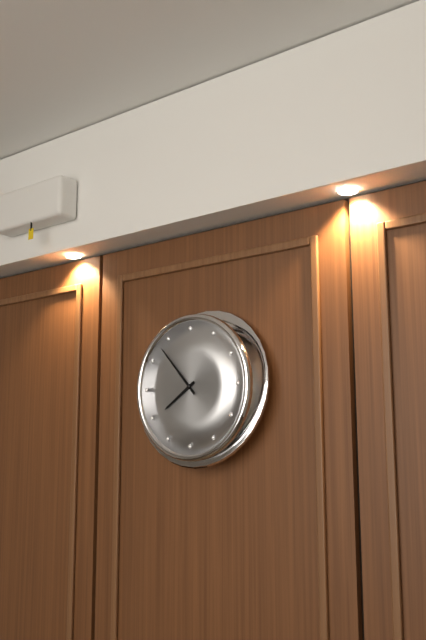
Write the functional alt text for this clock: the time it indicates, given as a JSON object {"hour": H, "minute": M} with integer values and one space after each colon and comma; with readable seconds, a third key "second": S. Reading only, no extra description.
{"hour": 7, "minute": 53}
